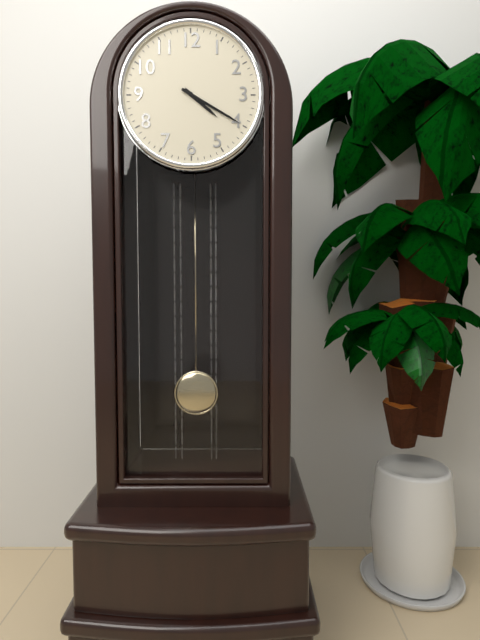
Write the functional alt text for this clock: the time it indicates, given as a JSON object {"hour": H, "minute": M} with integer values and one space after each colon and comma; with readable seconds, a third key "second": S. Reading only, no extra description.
{"hour": 4, "minute": 20}
